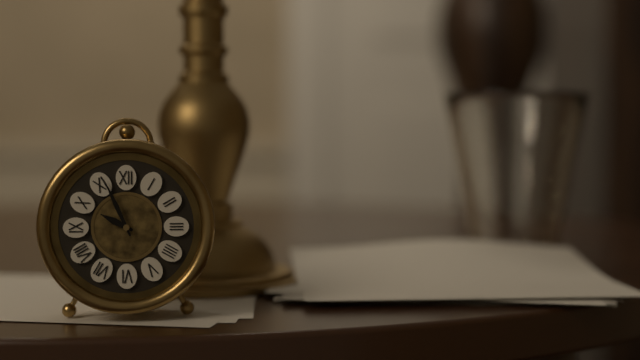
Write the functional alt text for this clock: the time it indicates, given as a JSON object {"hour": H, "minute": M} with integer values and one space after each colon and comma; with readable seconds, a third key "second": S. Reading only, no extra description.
{"hour": 9, "minute": 56}
